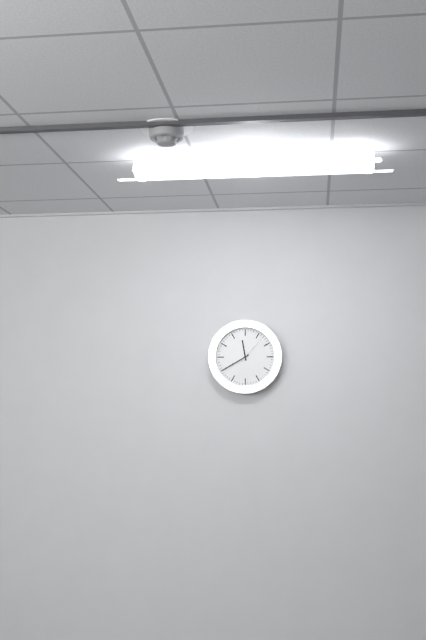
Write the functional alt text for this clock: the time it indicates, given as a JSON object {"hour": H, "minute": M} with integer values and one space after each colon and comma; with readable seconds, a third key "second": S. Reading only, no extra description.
{"hour": 11, "minute": 40}
